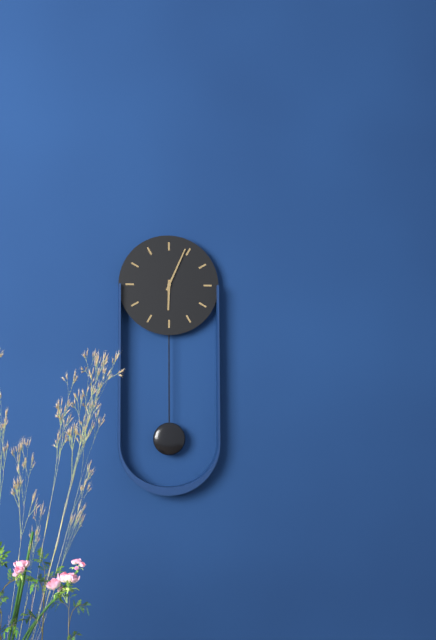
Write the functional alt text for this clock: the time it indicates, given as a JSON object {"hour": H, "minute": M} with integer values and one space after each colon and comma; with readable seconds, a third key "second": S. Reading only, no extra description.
{"hour": 6, "minute": 4}
